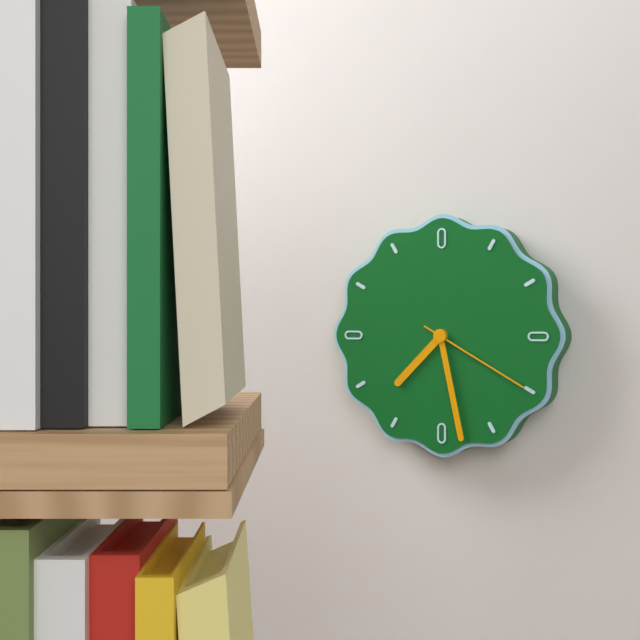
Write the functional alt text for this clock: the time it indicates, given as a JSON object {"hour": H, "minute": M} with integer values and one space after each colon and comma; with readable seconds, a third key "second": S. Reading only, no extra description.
{"hour": 7, "minute": 28, "second": 20}
